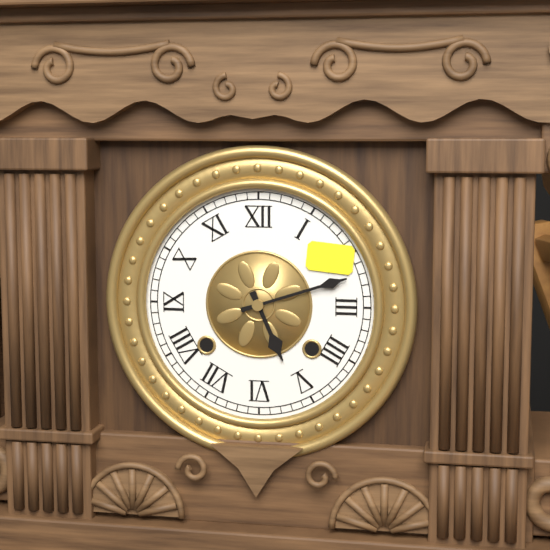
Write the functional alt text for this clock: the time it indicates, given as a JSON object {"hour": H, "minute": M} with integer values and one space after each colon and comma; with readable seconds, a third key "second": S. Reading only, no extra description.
{"hour": 5, "minute": 12}
